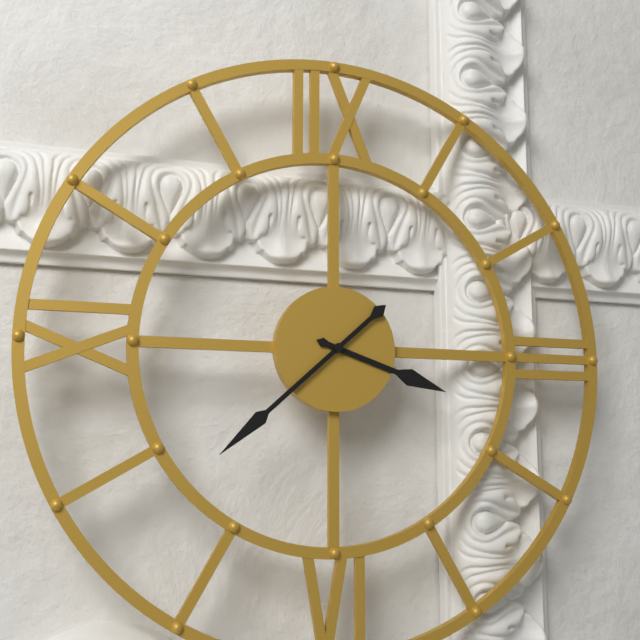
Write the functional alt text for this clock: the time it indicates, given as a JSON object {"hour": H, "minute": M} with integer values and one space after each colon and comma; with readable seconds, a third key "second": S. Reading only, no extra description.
{"hour": 3, "minute": 38}
